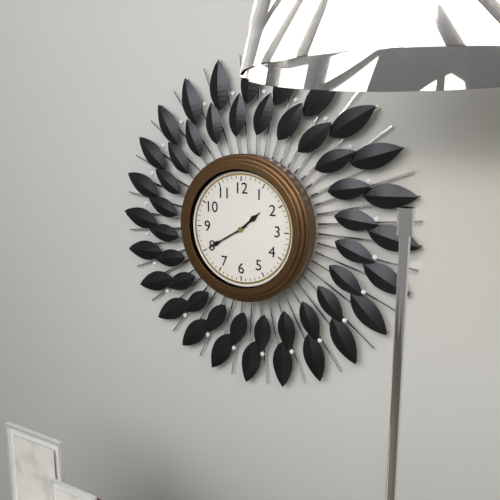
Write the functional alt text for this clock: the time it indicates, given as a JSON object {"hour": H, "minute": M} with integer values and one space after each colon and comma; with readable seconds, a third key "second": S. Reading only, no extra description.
{"hour": 1, "minute": 40}
